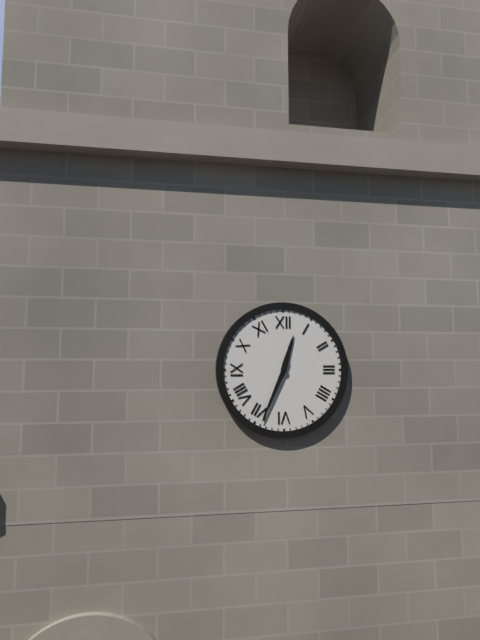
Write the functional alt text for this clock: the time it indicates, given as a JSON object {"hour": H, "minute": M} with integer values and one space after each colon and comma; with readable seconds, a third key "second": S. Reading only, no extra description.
{"hour": 12, "minute": 34}
